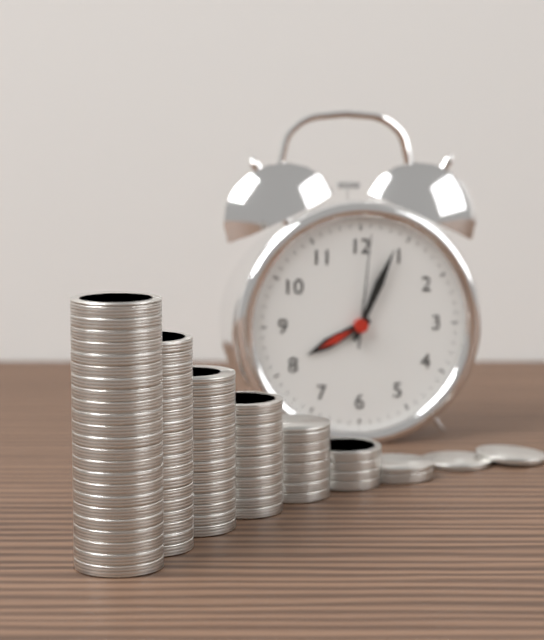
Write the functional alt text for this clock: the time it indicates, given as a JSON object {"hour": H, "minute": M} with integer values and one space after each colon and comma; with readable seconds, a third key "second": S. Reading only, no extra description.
{"hour": 8, "minute": 4, "second": 1}
